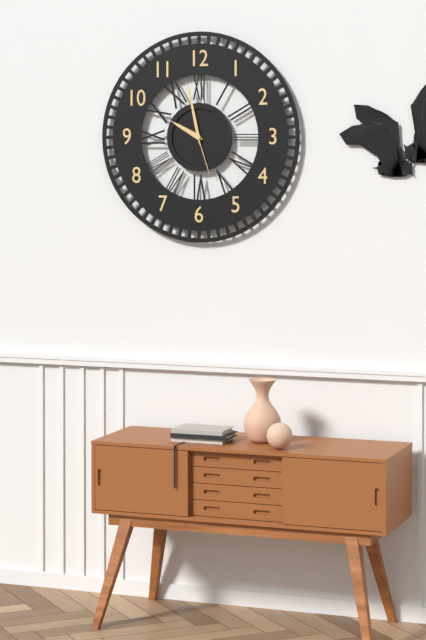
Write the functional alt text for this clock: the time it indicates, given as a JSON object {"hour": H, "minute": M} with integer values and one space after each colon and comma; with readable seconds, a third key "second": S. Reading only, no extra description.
{"hour": 9, "minute": 58}
